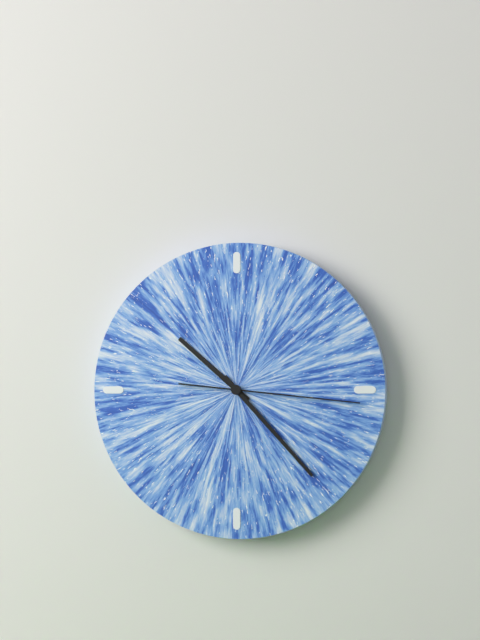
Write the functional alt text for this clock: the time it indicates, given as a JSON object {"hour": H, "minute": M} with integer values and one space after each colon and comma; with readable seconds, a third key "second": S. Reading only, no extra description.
{"hour": 10, "minute": 23, "second": 16}
